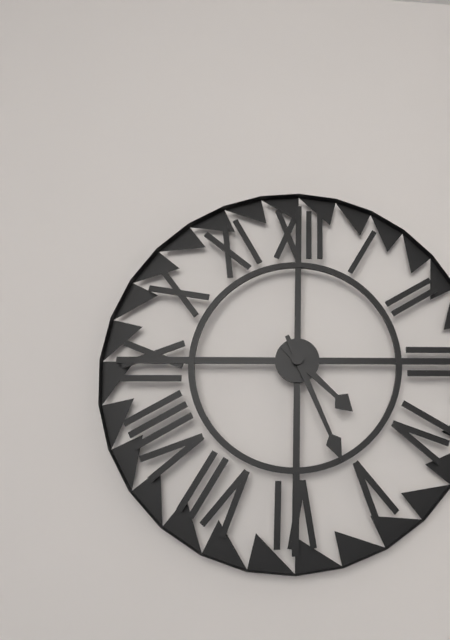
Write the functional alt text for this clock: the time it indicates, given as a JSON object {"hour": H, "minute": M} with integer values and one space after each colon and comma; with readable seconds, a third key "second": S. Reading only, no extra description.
{"hour": 4, "minute": 26}
